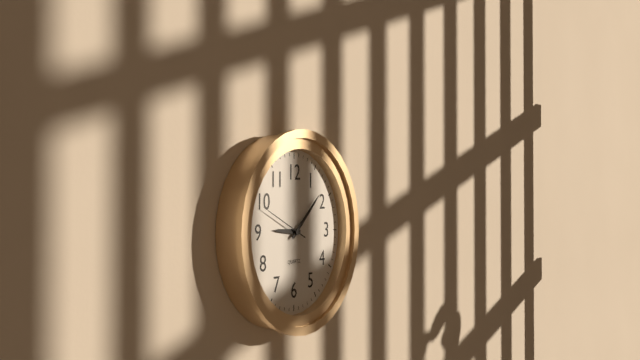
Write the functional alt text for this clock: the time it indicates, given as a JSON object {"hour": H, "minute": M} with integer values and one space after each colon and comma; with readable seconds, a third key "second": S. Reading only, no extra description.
{"hour": 9, "minute": 8}
